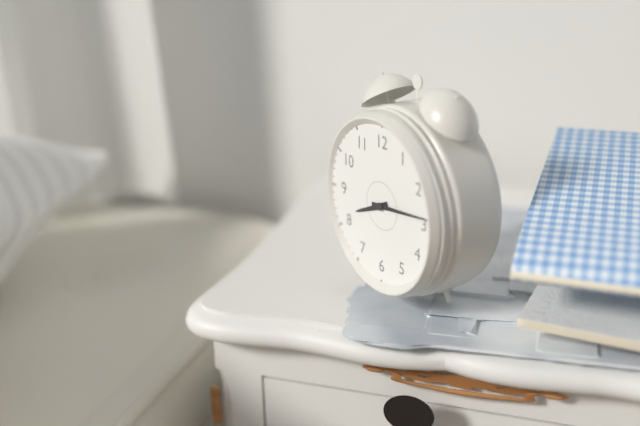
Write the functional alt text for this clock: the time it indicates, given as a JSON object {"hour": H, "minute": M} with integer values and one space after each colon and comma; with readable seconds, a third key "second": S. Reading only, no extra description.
{"hour": 8, "minute": 14}
